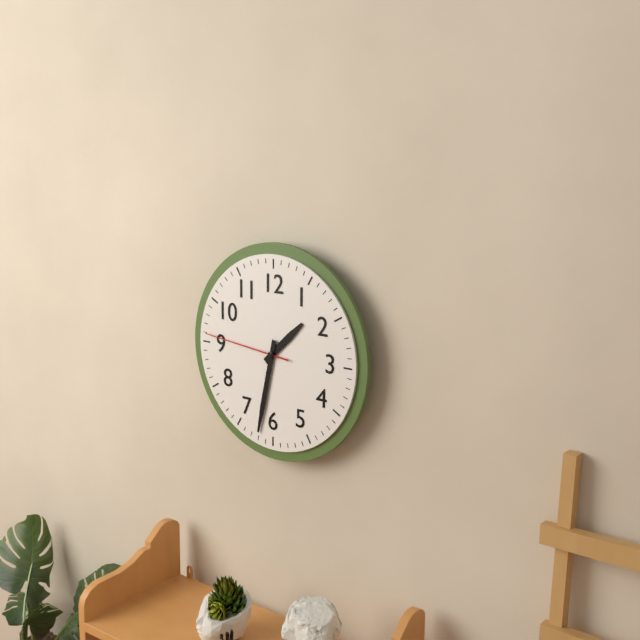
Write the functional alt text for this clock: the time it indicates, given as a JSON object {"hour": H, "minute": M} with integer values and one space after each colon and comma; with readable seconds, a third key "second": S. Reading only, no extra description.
{"hour": 1, "minute": 32, "second": 46}
